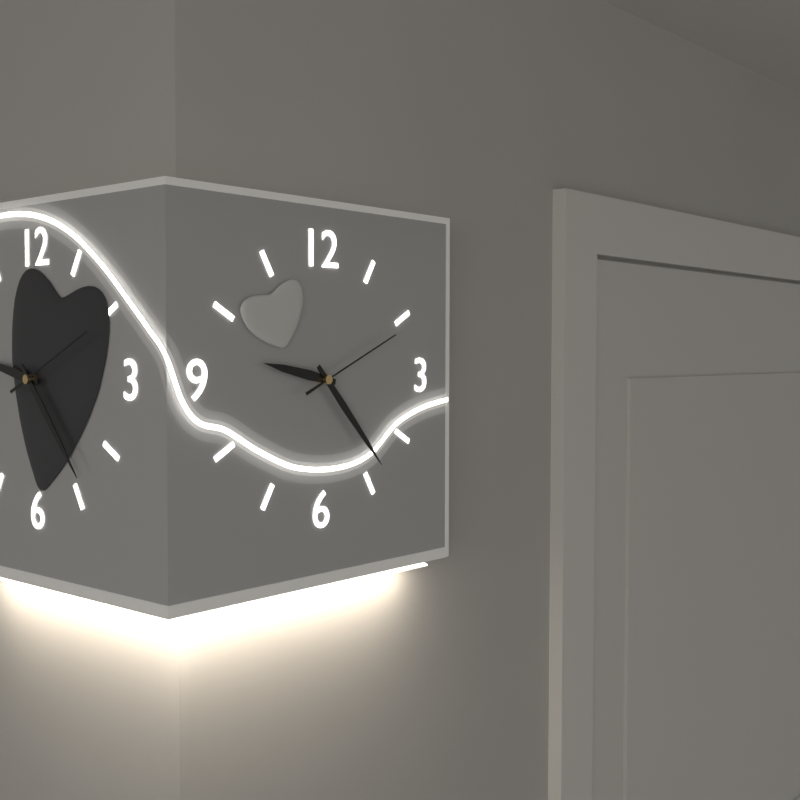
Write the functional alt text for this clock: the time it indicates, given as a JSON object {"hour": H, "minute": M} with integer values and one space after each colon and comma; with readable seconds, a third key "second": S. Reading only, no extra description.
{"hour": 9, "minute": 23, "second": 11}
